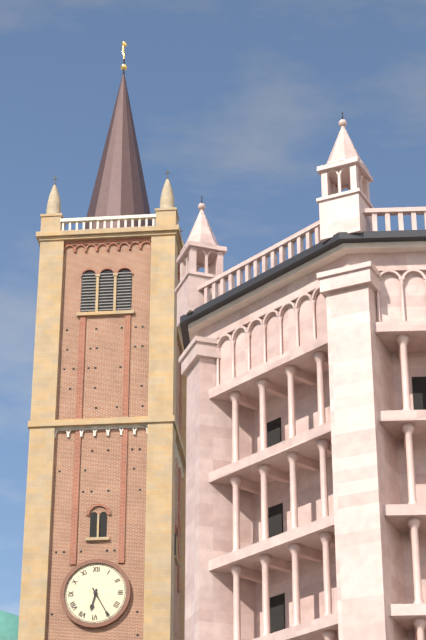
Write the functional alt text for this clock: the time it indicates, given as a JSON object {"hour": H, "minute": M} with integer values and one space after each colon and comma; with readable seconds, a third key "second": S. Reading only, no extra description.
{"hour": 6, "minute": 25}
